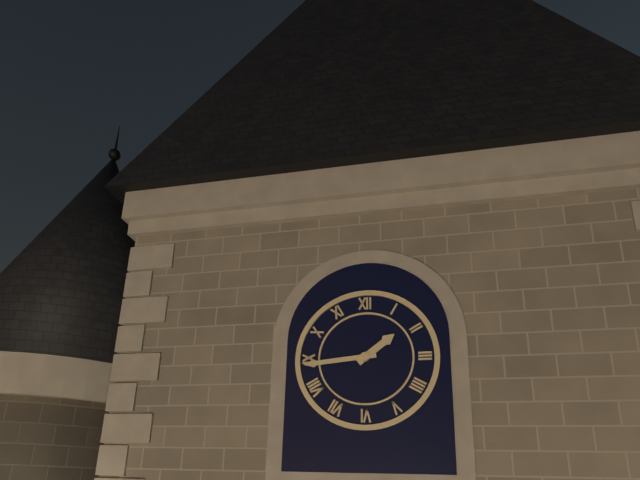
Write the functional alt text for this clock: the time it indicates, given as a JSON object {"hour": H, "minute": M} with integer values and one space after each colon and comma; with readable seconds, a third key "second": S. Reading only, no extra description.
{"hour": 1, "minute": 44}
